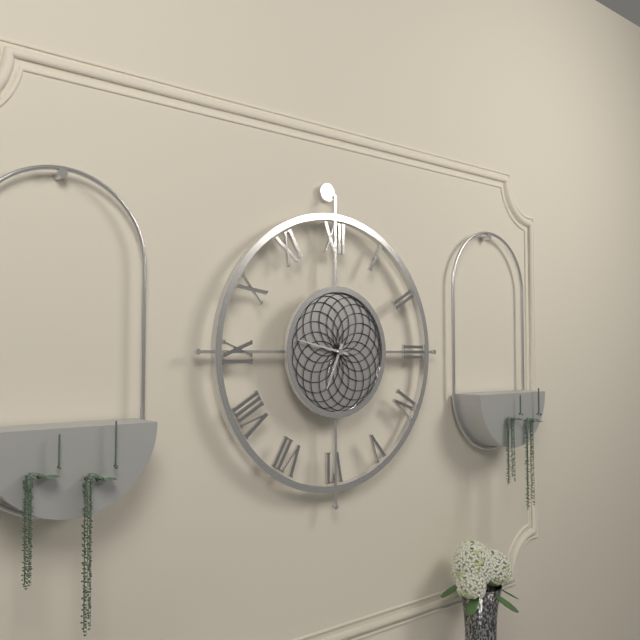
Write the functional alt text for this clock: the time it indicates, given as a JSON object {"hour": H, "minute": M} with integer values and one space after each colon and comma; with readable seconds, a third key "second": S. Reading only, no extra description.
{"hour": 6, "minute": 47}
